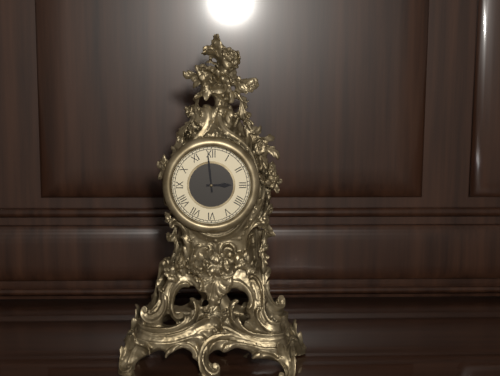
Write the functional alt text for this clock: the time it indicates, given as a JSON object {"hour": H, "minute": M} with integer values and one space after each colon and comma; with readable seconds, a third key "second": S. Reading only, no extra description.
{"hour": 2, "minute": 59}
